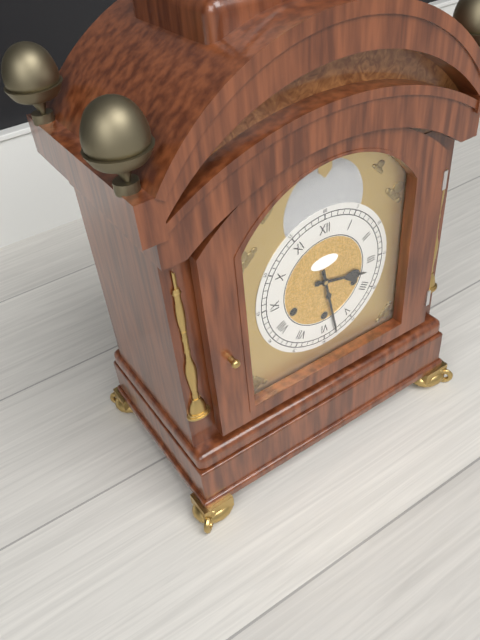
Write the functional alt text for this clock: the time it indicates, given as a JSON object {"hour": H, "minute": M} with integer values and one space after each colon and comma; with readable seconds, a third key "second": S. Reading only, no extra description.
{"hour": 3, "minute": 28}
